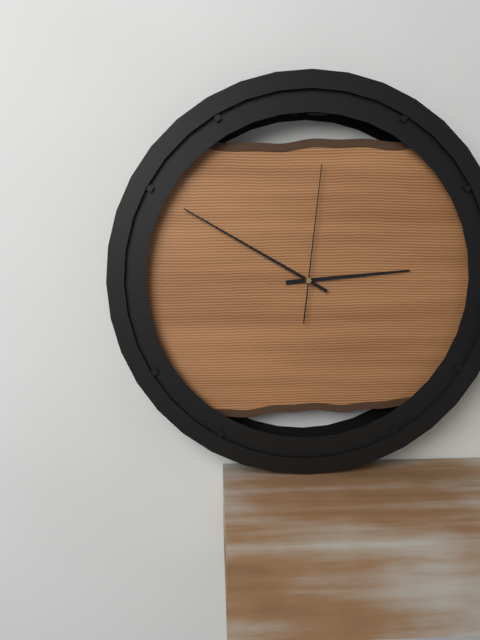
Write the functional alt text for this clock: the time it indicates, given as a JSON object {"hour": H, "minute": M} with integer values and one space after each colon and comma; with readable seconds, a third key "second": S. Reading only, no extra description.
{"hour": 2, "minute": 50, "second": 1}
